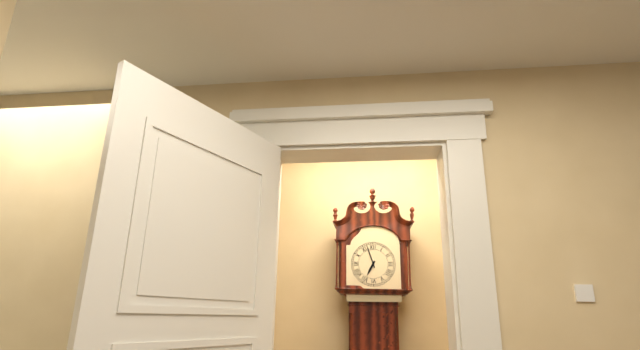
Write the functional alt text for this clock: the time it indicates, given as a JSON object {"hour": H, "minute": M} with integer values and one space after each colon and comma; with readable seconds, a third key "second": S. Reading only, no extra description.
{"hour": 6, "minute": 57}
